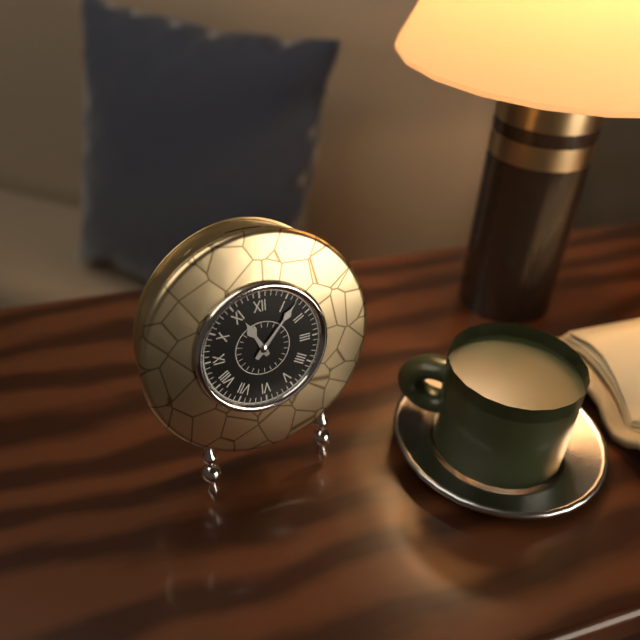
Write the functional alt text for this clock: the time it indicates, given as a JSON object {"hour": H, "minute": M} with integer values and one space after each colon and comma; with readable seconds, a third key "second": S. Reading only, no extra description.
{"hour": 11, "minute": 7}
